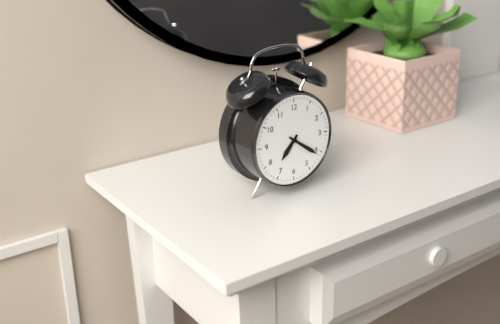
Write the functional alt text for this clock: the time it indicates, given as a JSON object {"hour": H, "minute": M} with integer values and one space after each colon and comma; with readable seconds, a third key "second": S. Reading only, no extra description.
{"hour": 7, "minute": 21}
